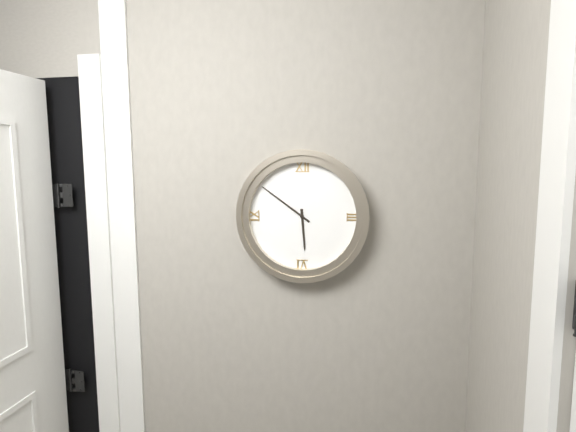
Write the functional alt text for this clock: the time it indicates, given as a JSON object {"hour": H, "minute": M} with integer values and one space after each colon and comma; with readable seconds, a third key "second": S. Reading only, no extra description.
{"hour": 5, "minute": 51}
